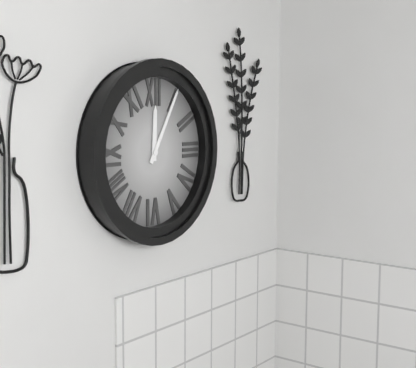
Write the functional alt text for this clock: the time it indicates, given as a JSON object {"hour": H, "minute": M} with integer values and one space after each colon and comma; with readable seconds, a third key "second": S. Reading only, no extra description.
{"hour": 12, "minute": 5}
